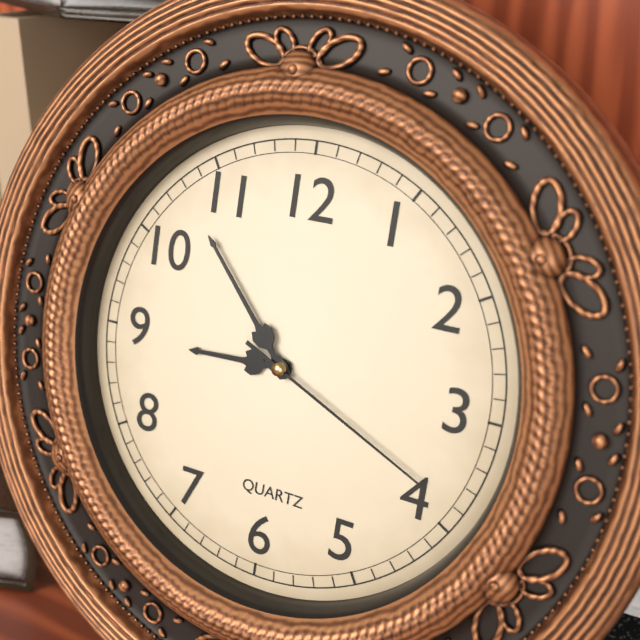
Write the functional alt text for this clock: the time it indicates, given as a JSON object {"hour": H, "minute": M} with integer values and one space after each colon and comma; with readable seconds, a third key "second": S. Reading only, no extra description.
{"hour": 8, "minute": 53, "second": 19}
